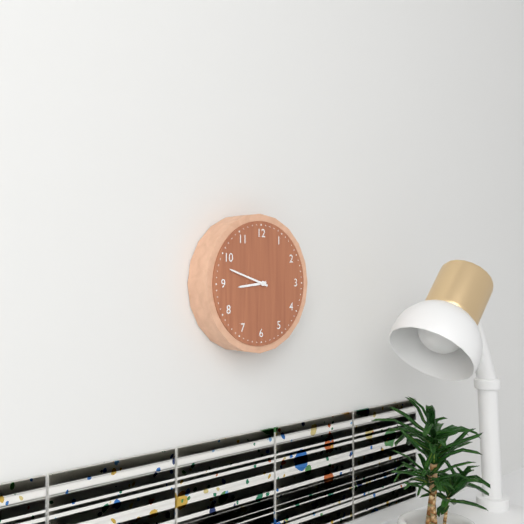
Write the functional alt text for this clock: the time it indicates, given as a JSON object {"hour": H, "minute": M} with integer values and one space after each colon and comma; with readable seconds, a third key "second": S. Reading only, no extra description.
{"hour": 8, "minute": 48}
